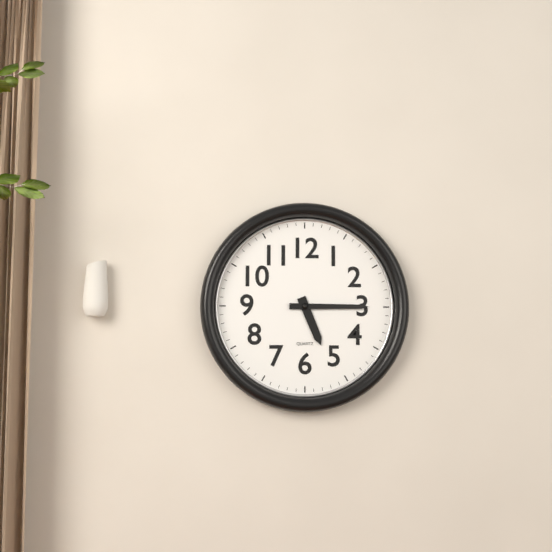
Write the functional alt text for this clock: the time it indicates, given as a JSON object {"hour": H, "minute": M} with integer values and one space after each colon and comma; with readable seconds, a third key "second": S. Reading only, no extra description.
{"hour": 5, "minute": 15}
